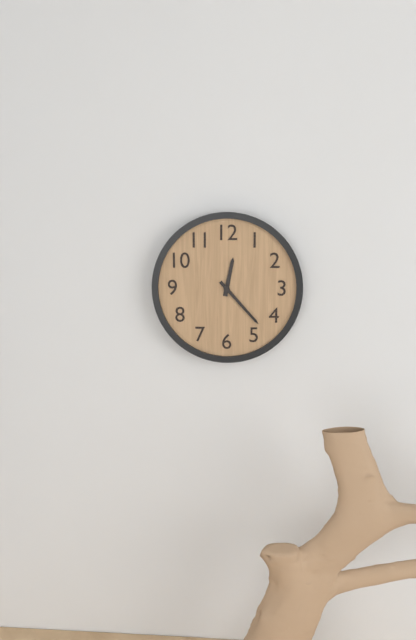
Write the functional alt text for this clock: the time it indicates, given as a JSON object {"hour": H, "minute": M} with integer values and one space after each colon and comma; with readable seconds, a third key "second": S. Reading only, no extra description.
{"hour": 12, "minute": 23}
